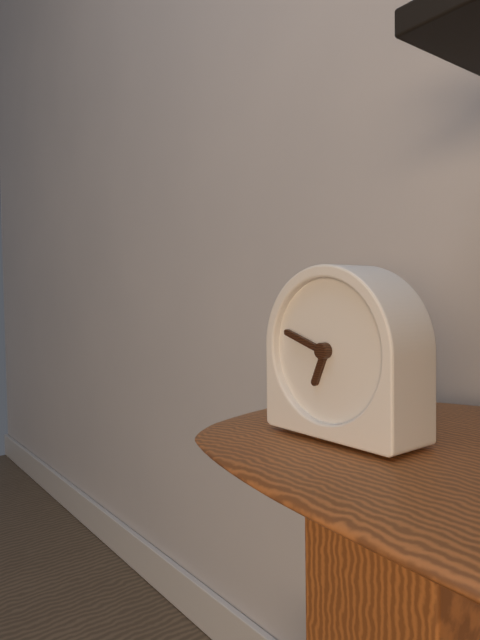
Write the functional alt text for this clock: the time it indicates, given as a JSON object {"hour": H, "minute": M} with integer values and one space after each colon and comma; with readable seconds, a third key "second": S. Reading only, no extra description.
{"hour": 6, "minute": 48}
